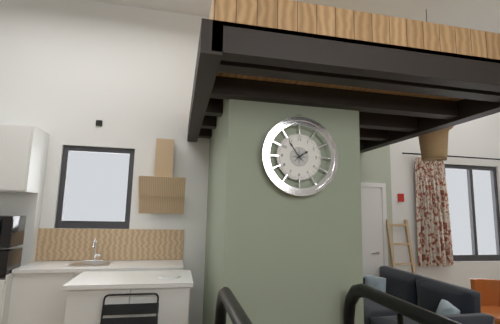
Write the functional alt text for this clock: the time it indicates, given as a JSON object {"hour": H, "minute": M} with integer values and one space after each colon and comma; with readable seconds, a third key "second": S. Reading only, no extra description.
{"hour": 1, "minute": 54}
